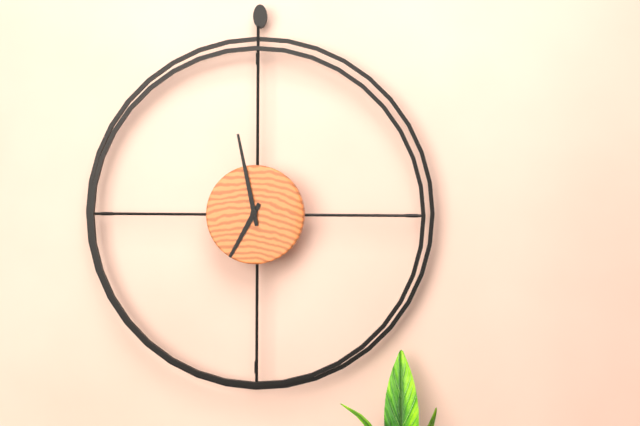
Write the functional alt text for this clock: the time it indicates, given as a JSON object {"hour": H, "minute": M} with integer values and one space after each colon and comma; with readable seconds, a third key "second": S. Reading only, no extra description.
{"hour": 6, "minute": 58}
